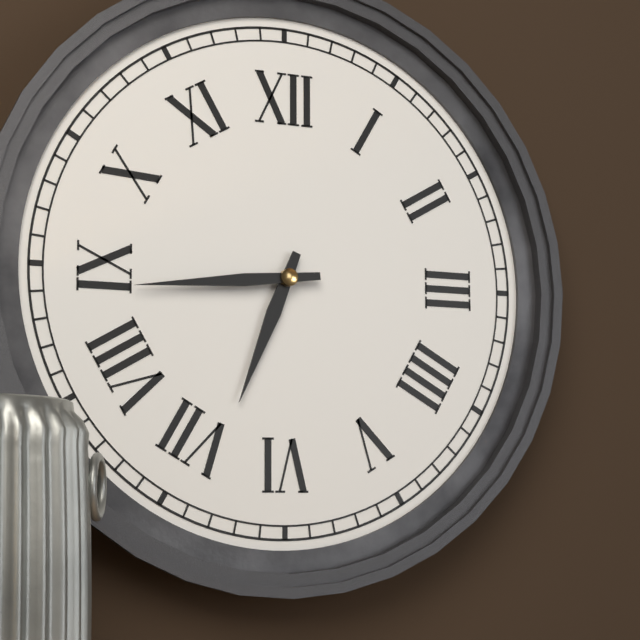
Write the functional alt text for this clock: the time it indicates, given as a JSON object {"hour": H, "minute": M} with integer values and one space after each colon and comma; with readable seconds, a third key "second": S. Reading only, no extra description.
{"hour": 6, "minute": 44}
